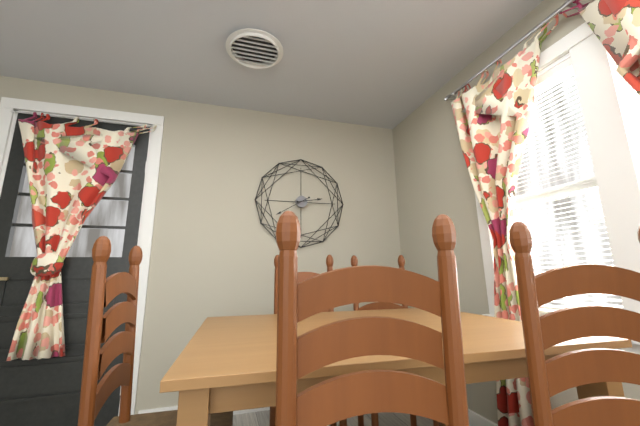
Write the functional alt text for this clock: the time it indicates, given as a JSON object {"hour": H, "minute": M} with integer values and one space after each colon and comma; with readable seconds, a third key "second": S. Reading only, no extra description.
{"hour": 2, "minute": 40}
